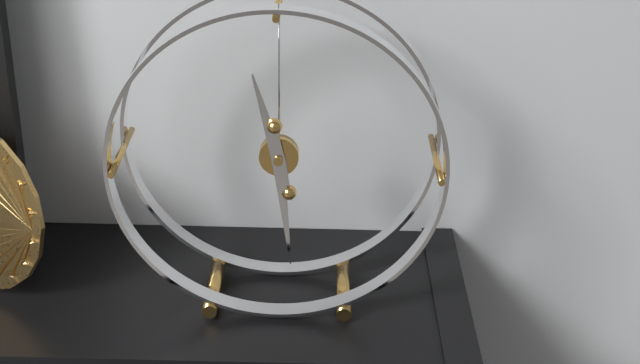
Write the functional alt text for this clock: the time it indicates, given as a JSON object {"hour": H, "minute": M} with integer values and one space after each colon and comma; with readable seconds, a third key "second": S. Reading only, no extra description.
{"hour": 11, "minute": 29}
